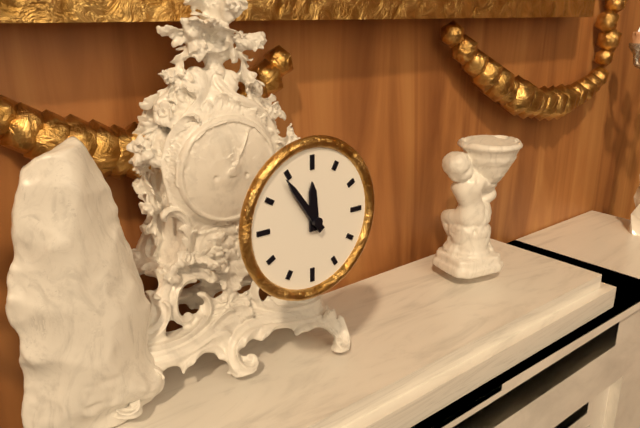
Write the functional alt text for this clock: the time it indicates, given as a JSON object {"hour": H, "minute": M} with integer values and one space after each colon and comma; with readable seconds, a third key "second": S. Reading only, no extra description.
{"hour": 11, "minute": 54}
